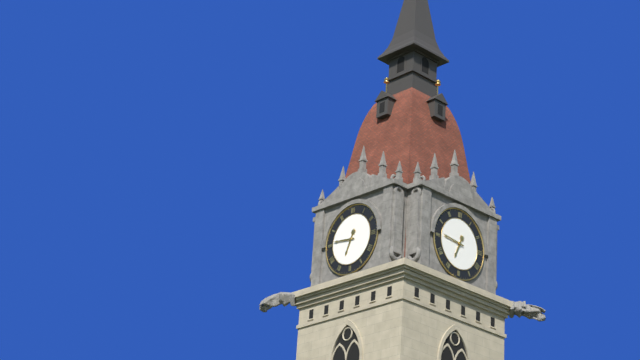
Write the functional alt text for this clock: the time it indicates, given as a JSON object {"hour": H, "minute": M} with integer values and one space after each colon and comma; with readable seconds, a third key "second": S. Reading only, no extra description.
{"hour": 6, "minute": 46}
